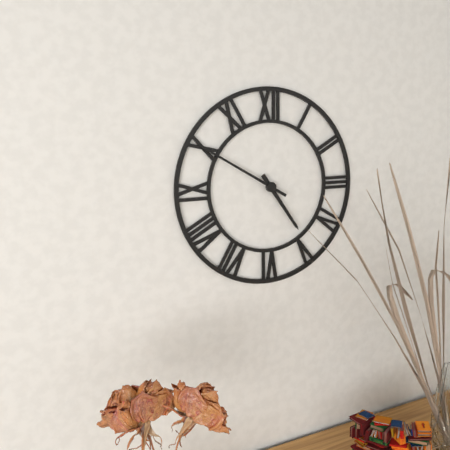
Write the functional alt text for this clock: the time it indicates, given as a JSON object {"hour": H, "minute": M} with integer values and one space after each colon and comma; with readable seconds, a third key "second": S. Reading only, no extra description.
{"hour": 4, "minute": 50}
